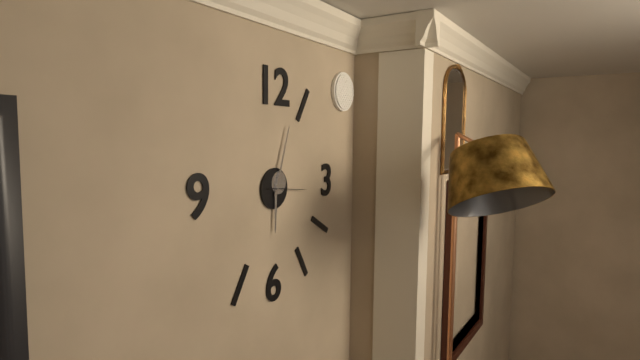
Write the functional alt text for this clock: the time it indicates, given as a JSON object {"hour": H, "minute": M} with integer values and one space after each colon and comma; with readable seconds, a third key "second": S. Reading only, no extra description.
{"hour": 6, "minute": 3}
